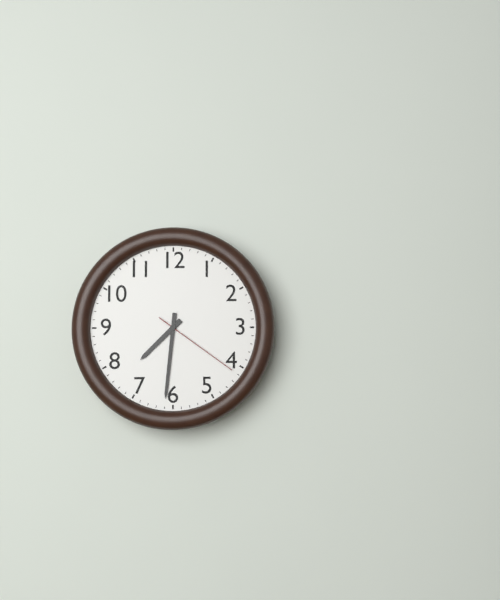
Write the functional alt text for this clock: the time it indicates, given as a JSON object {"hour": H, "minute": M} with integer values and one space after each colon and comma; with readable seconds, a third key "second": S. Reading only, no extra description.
{"hour": 7, "minute": 31, "second": 21}
